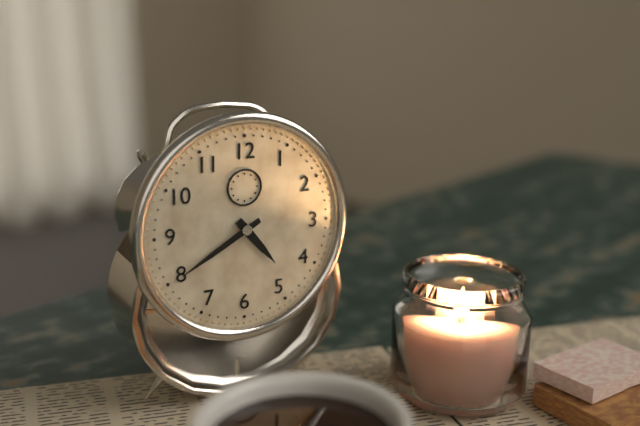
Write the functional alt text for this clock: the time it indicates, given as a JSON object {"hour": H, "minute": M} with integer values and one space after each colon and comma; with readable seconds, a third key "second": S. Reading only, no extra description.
{"hour": 4, "minute": 40}
